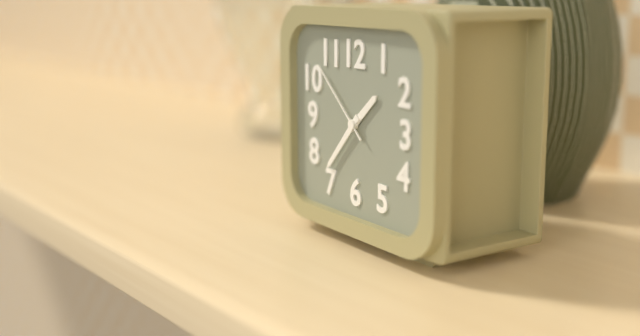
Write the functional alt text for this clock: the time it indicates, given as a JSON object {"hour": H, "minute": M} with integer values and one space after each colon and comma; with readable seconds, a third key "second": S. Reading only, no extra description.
{"hour": 1, "minute": 37, "second": 52}
